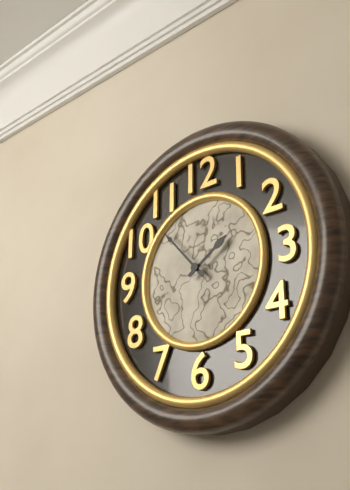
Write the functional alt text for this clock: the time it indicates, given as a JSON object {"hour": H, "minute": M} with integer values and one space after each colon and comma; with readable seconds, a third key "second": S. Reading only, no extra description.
{"hour": 1, "minute": 53}
